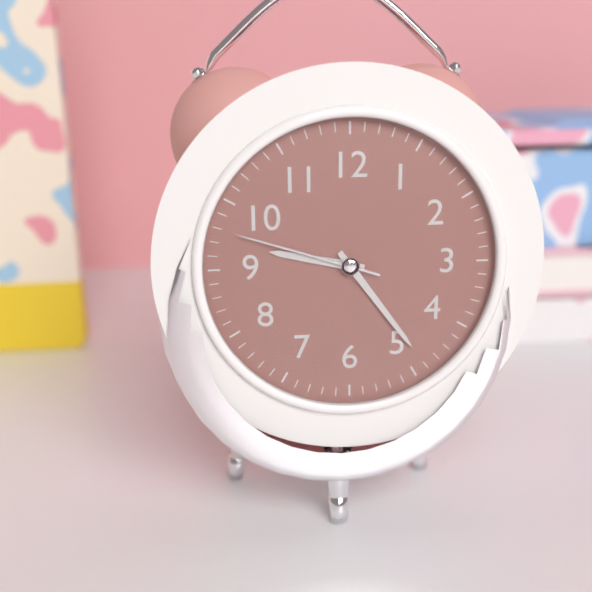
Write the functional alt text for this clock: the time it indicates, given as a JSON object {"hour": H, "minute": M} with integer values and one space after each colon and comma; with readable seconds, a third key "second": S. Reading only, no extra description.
{"hour": 9, "minute": 24, "second": 48}
